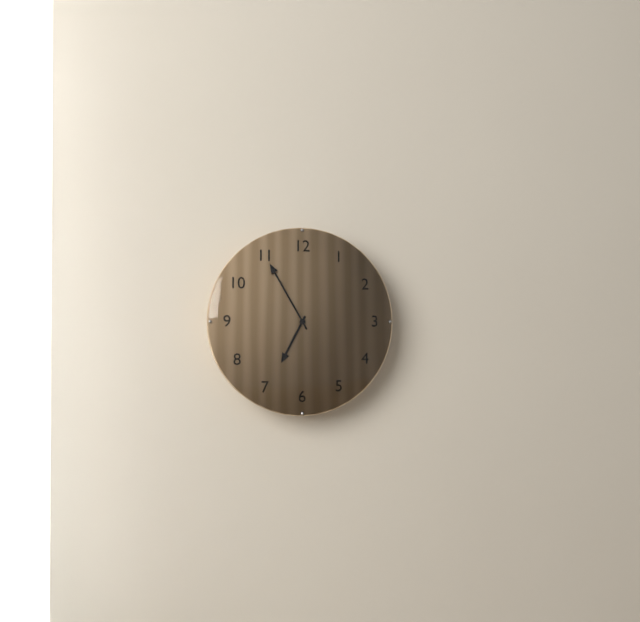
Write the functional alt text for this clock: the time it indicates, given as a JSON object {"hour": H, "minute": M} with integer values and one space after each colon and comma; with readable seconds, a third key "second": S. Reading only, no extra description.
{"hour": 6, "minute": 55}
